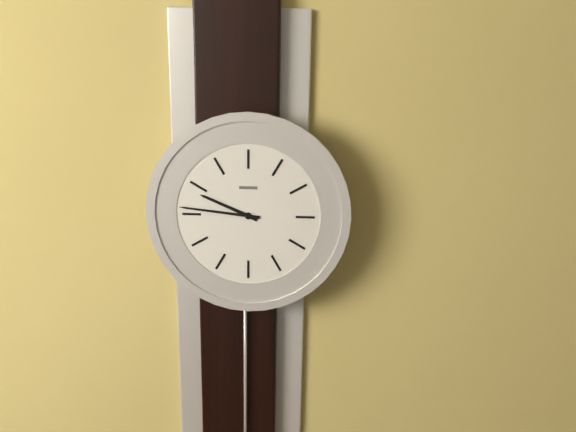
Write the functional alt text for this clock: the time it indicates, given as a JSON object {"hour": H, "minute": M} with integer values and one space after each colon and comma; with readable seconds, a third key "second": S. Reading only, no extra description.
{"hour": 9, "minute": 46}
